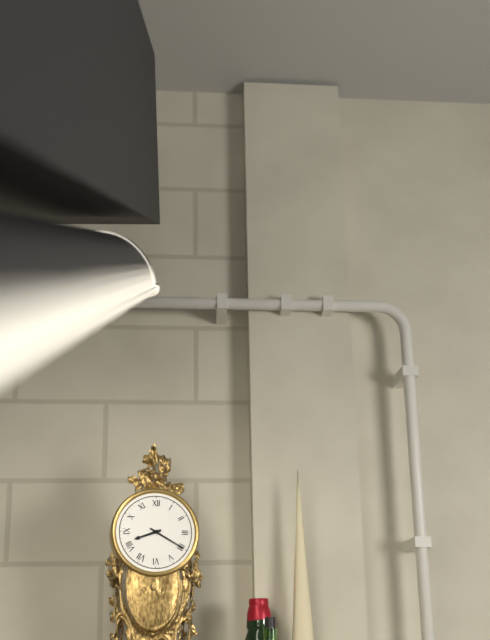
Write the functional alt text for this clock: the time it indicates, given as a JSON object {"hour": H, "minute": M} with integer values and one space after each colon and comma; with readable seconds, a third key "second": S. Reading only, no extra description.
{"hour": 8, "minute": 20}
